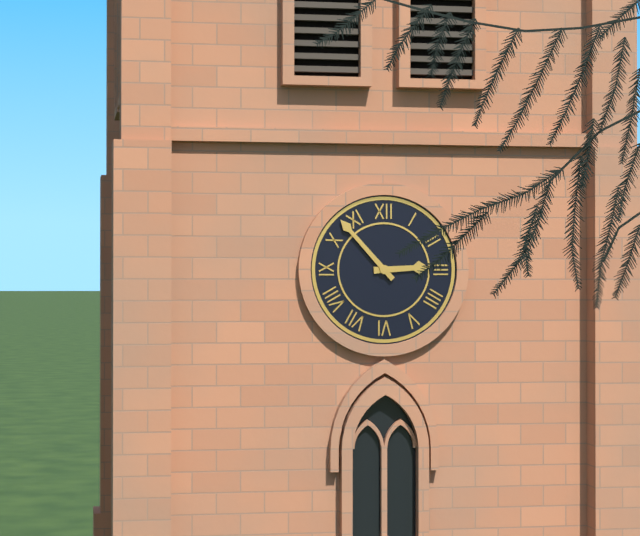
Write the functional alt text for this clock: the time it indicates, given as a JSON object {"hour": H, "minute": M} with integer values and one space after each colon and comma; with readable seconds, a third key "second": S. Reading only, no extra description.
{"hour": 2, "minute": 53}
